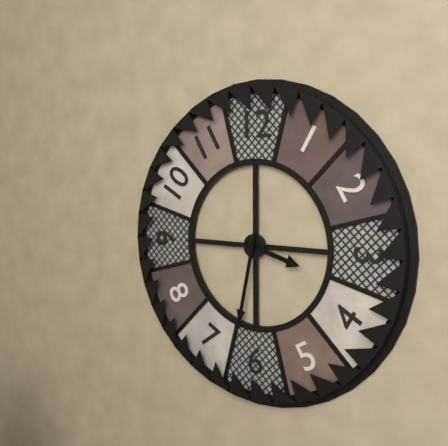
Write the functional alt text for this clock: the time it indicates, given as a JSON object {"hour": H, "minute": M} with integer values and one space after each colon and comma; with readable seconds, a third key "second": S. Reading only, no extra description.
{"hour": 3, "minute": 32}
